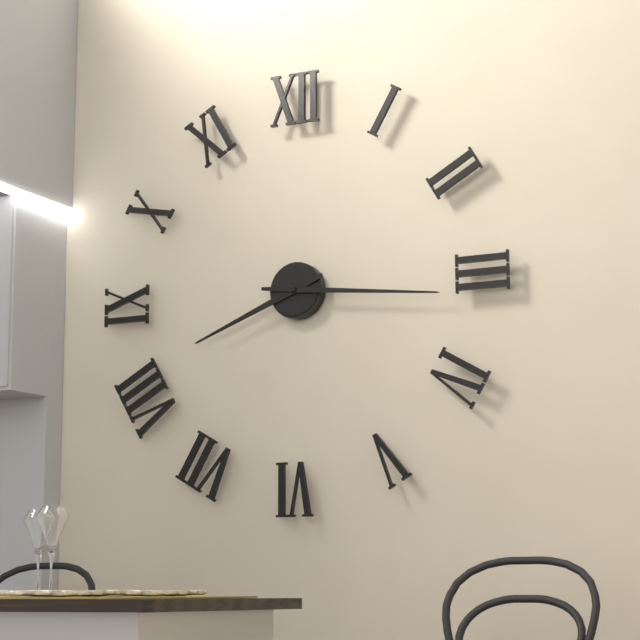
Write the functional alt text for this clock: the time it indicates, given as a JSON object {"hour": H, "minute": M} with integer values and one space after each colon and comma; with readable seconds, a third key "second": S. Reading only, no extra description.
{"hour": 8, "minute": 16}
